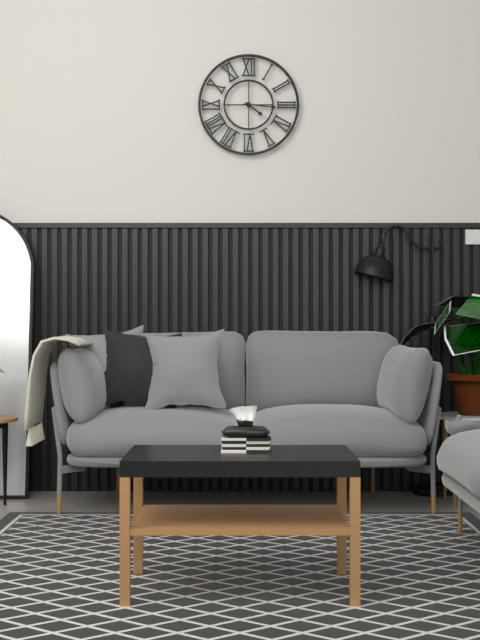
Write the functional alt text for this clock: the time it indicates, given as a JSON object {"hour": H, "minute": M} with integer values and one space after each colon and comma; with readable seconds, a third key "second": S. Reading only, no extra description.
{"hour": 4, "minute": 16}
